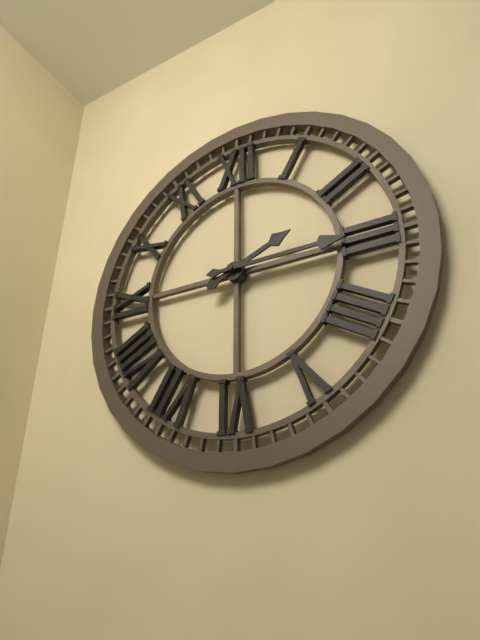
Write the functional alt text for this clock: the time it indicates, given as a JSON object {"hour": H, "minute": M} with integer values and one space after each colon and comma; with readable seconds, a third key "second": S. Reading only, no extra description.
{"hour": 2, "minute": 15}
